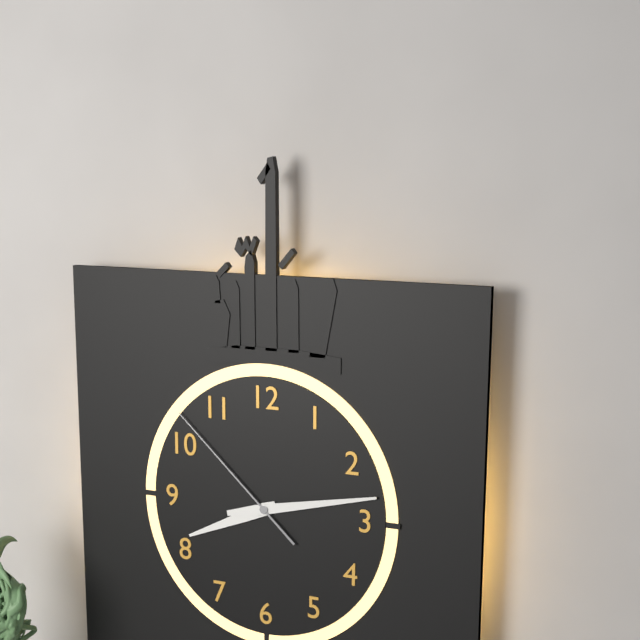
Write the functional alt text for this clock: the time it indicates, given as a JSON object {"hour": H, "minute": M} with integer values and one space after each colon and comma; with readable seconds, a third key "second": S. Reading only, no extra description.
{"hour": 8, "minute": 13, "second": 52}
